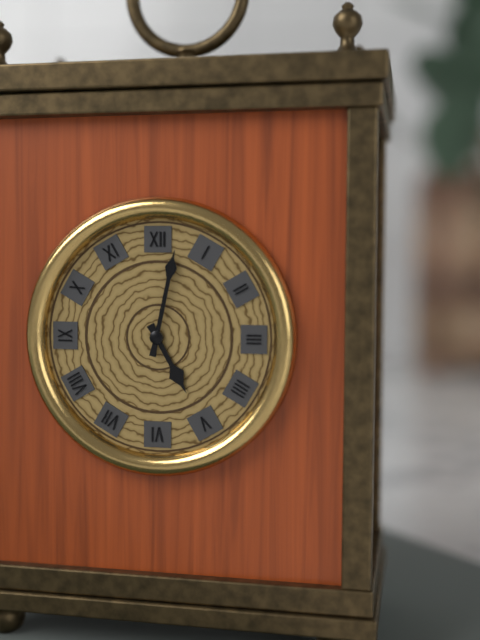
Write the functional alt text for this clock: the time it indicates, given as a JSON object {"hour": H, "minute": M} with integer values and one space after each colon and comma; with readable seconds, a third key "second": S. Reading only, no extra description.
{"hour": 5, "minute": 2}
